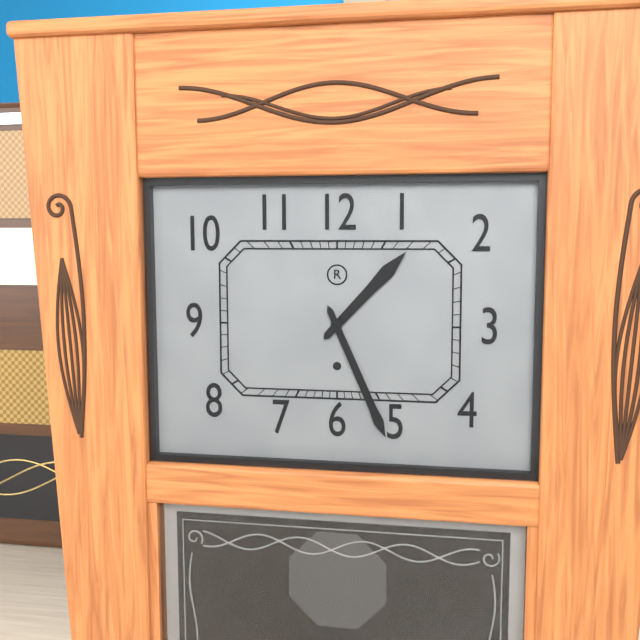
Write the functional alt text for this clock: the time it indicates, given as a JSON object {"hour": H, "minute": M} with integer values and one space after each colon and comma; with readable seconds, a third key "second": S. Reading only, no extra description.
{"hour": 1, "minute": 26}
